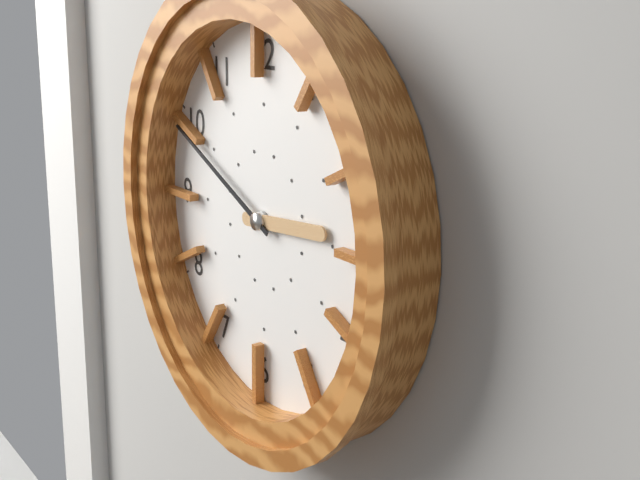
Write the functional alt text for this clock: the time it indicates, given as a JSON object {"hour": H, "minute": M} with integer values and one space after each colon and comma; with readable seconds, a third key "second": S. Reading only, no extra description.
{"hour": 2, "minute": 49}
